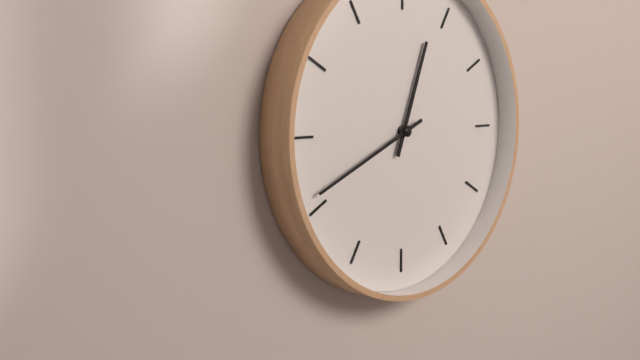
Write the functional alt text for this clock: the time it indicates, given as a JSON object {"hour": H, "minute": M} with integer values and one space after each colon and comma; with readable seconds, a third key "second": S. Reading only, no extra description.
{"hour": 12, "minute": 41}
